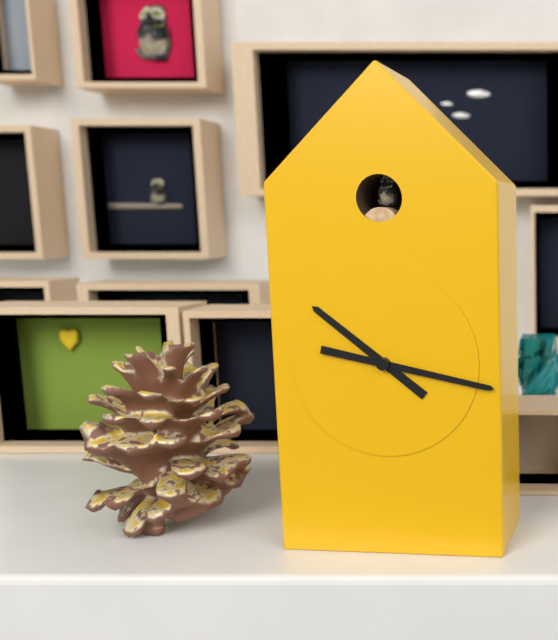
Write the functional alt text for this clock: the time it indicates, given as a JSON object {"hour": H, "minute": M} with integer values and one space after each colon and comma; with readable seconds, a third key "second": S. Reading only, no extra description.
{"hour": 10, "minute": 17}
